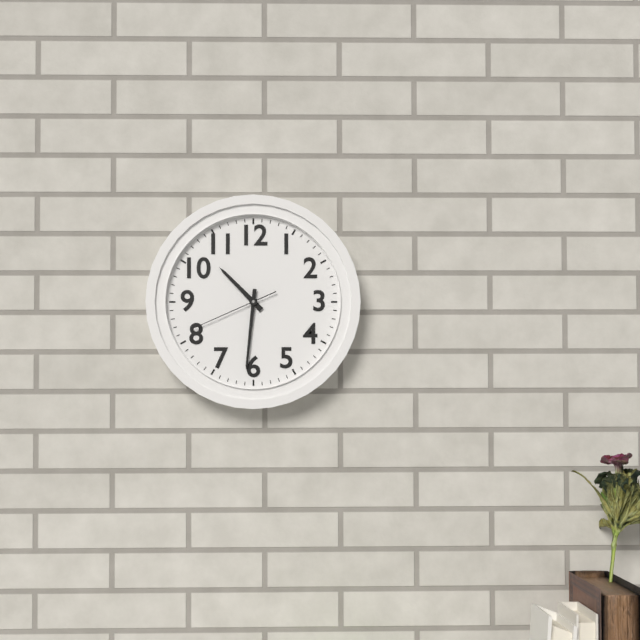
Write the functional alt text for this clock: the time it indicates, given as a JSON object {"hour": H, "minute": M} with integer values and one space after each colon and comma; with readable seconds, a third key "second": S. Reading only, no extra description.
{"hour": 10, "minute": 31, "second": 41}
